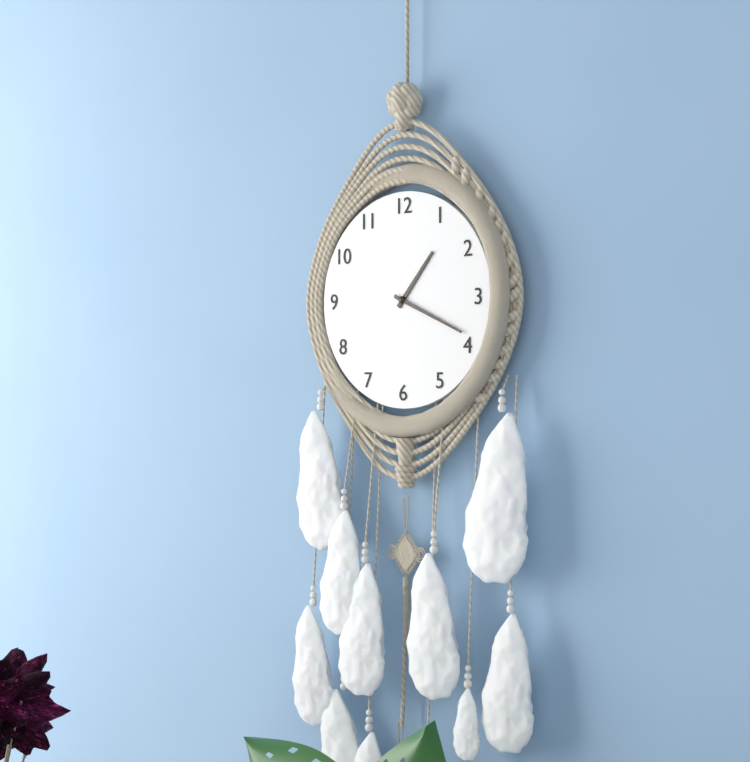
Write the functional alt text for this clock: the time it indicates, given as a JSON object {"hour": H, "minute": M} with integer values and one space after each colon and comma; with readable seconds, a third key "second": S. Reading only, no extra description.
{"hour": 1, "minute": 19}
